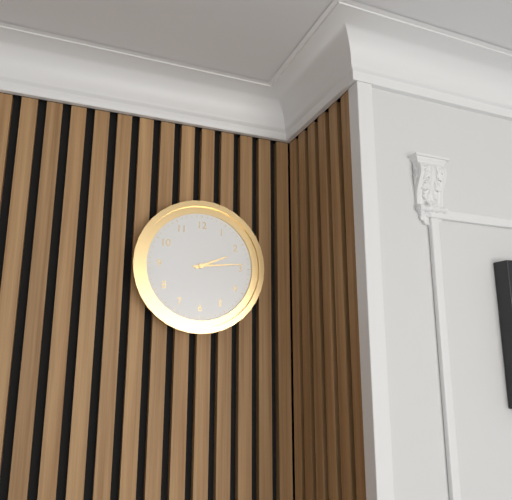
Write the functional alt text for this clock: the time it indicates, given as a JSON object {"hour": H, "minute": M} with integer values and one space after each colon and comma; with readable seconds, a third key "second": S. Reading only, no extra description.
{"hour": 2, "minute": 14}
